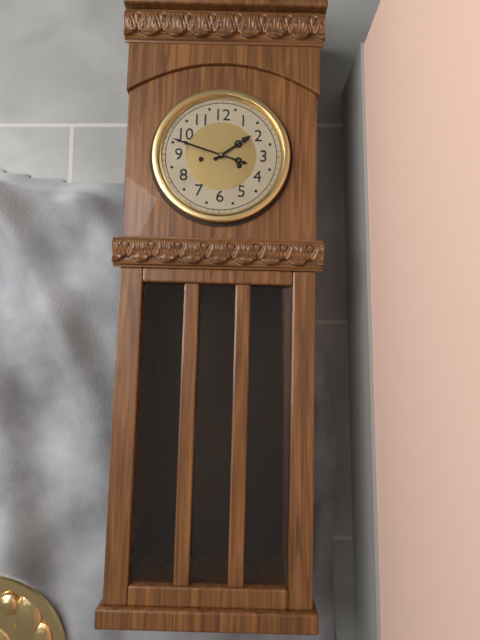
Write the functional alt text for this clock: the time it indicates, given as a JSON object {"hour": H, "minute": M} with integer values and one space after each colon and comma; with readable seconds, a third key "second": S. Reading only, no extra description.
{"hour": 1, "minute": 48}
